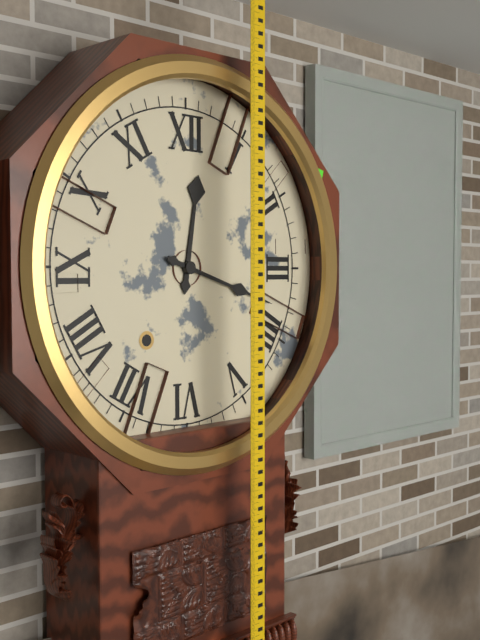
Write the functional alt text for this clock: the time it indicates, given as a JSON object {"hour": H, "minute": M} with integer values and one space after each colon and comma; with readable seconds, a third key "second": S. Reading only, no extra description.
{"hour": 12, "minute": 18}
